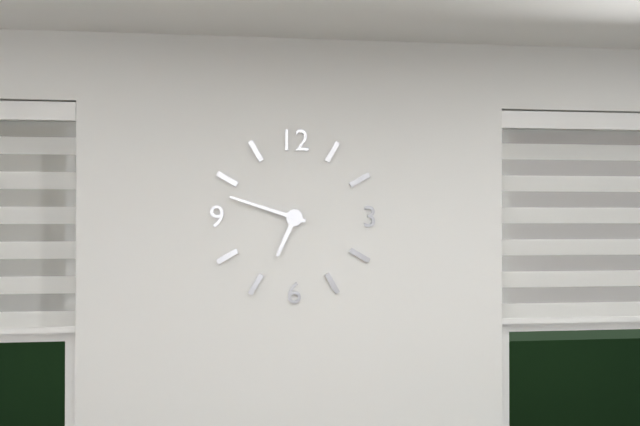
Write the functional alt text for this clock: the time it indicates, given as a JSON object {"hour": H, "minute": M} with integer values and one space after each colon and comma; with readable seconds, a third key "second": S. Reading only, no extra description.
{"hour": 6, "minute": 48}
